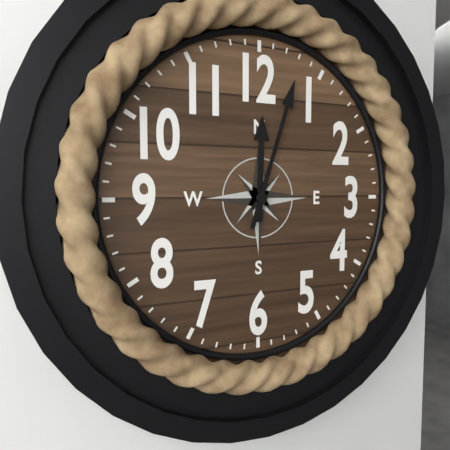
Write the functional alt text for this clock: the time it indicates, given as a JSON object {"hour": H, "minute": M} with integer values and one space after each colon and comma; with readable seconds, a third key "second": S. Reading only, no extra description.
{"hour": 12, "minute": 3}
